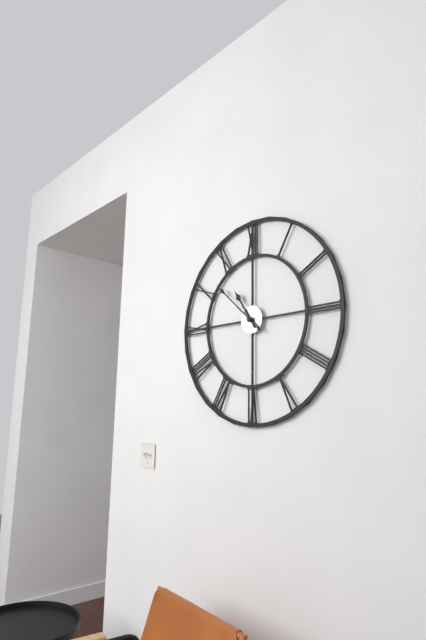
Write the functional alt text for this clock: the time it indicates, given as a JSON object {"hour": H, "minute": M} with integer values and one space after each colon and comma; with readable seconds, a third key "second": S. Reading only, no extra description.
{"hour": 10, "minute": 52}
